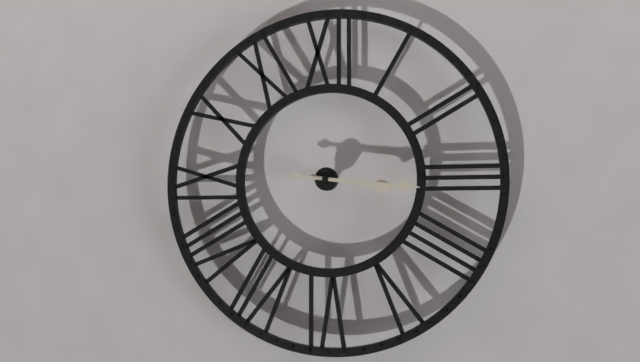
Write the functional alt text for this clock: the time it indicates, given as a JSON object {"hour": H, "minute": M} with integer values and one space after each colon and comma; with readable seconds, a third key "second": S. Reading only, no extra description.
{"hour": 3, "minute": 16}
